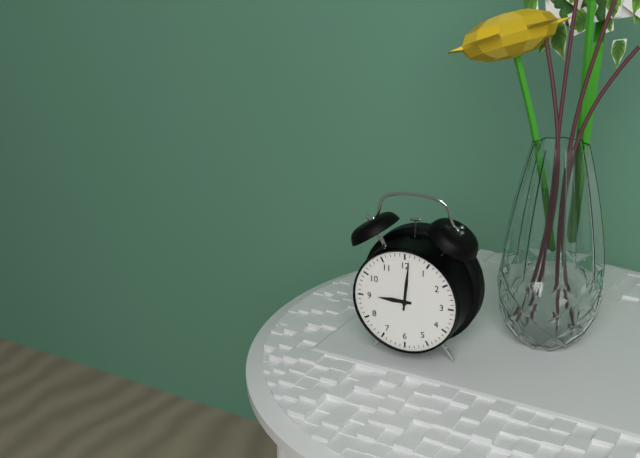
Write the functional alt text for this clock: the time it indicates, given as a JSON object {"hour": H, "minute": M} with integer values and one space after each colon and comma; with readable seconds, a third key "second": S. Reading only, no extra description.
{"hour": 9, "minute": 1}
